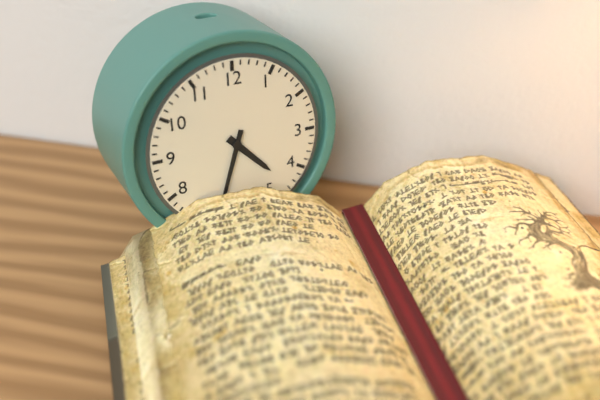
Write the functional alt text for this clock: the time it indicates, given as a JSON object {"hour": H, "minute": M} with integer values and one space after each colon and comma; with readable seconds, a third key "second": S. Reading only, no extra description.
{"hour": 4, "minute": 33}
